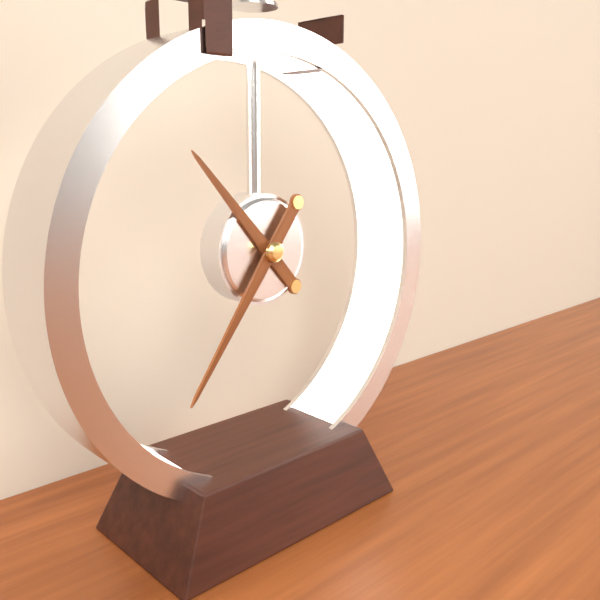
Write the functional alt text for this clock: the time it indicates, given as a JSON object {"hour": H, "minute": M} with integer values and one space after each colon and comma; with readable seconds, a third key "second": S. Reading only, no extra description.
{"hour": 10, "minute": 36}
